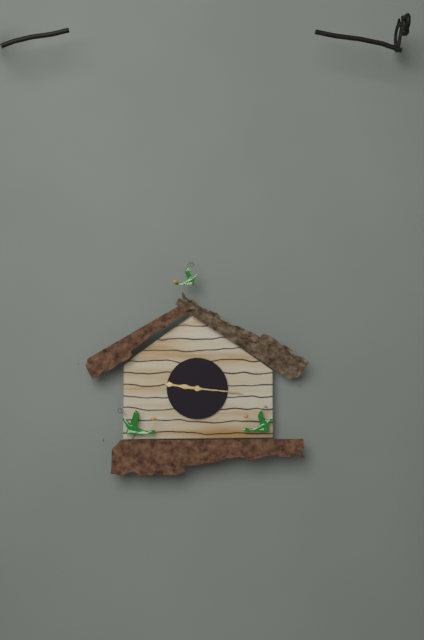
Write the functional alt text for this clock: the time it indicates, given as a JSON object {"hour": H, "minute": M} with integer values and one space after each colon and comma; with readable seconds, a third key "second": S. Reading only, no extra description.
{"hour": 9, "minute": 16}
